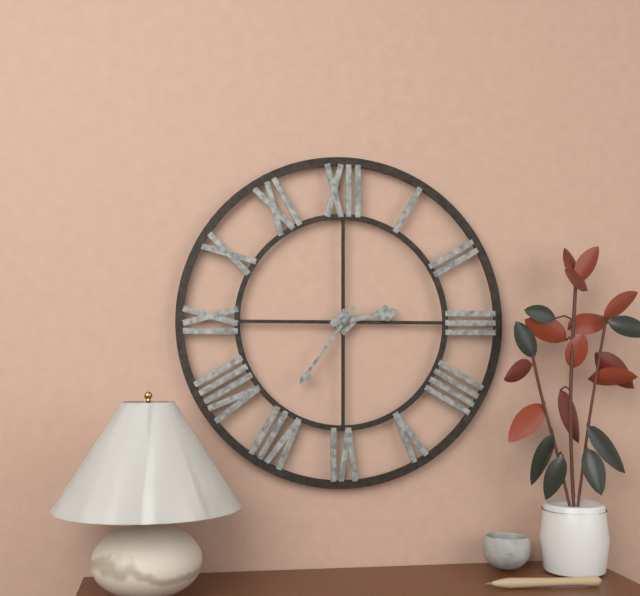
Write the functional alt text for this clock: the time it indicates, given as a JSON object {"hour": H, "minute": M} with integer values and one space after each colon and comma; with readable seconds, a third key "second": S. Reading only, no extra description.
{"hour": 2, "minute": 36}
